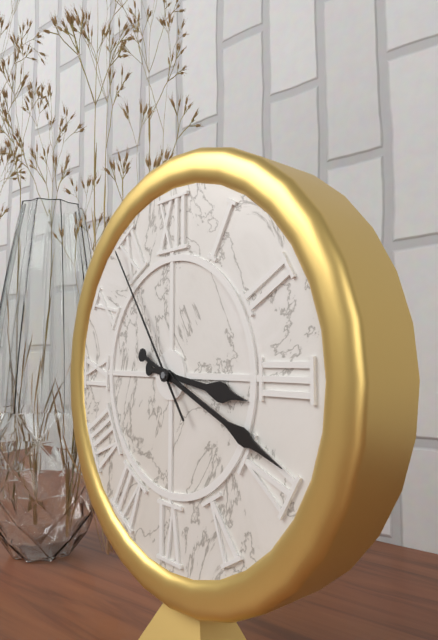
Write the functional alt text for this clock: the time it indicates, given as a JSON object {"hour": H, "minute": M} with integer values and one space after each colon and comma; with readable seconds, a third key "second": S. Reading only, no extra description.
{"hour": 3, "minute": 19, "second": 54}
